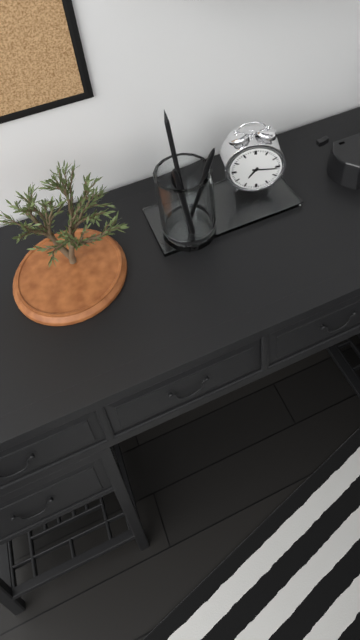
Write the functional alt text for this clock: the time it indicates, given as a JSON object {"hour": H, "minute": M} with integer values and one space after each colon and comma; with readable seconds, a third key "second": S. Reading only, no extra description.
{"hour": 7, "minute": 16}
